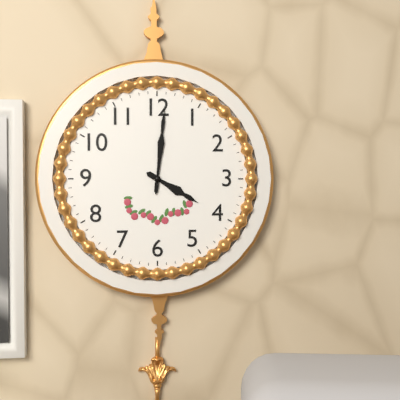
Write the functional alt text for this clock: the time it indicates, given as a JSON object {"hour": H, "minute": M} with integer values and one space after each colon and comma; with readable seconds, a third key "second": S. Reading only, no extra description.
{"hour": 4, "minute": 1}
